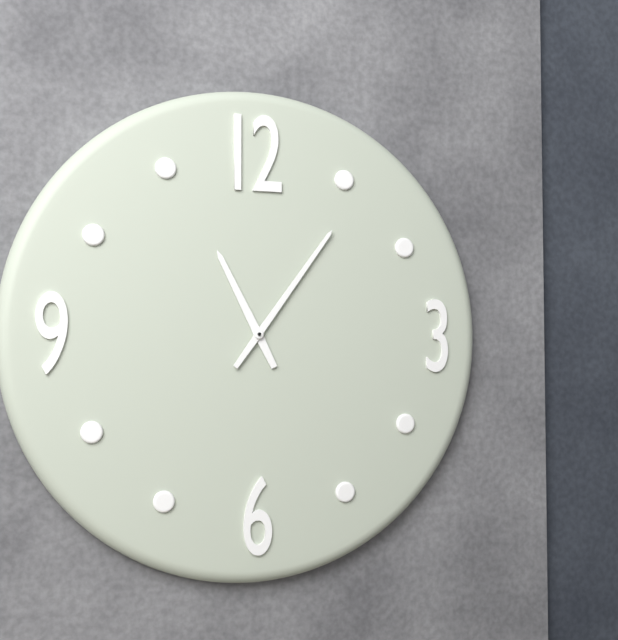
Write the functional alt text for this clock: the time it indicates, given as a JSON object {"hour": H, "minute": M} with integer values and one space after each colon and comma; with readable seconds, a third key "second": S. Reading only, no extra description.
{"hour": 11, "minute": 6}
